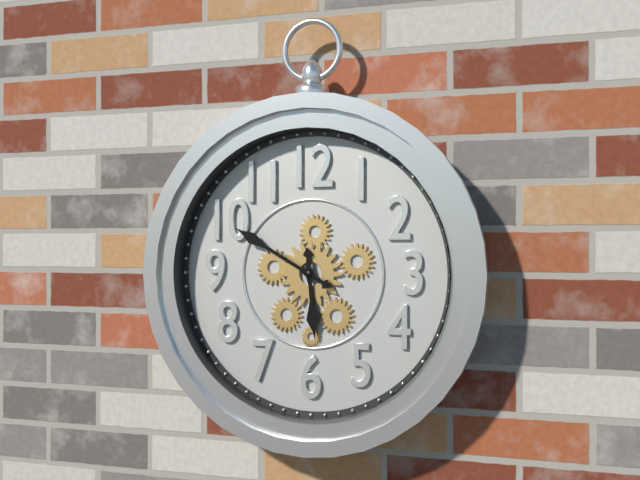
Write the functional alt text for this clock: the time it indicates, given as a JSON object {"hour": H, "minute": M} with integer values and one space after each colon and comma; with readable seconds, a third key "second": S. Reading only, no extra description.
{"hour": 5, "minute": 50}
